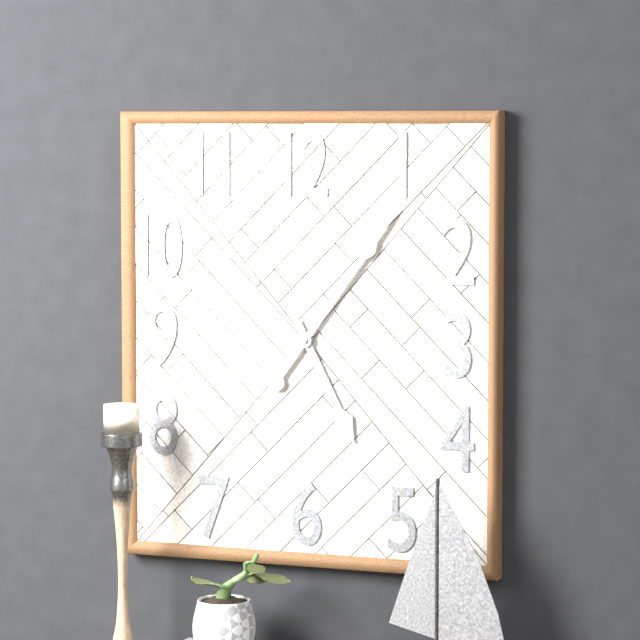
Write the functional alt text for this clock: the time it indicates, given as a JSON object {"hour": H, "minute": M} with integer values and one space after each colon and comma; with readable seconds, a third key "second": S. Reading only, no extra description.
{"hour": 5, "minute": 6}
